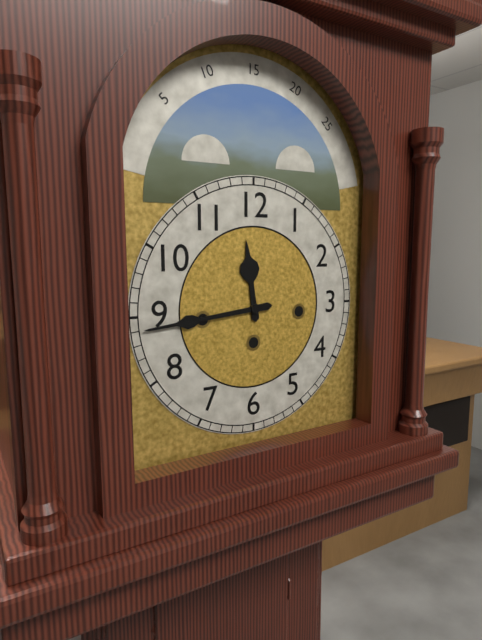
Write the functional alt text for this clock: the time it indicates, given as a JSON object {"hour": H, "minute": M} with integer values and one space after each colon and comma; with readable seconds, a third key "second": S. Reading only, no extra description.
{"hour": 11, "minute": 44}
